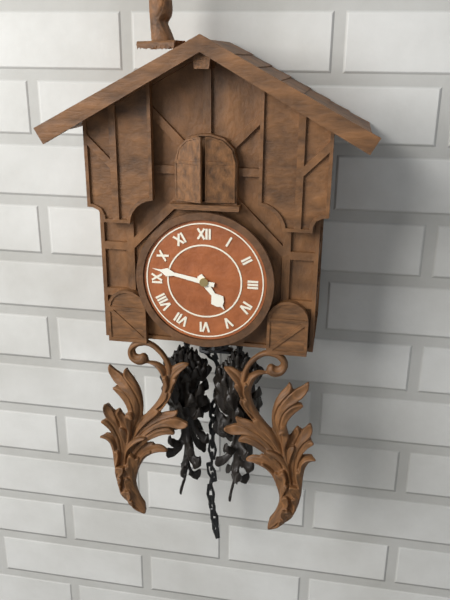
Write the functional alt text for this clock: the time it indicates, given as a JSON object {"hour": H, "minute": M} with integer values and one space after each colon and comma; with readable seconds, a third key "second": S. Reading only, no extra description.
{"hour": 4, "minute": 47}
